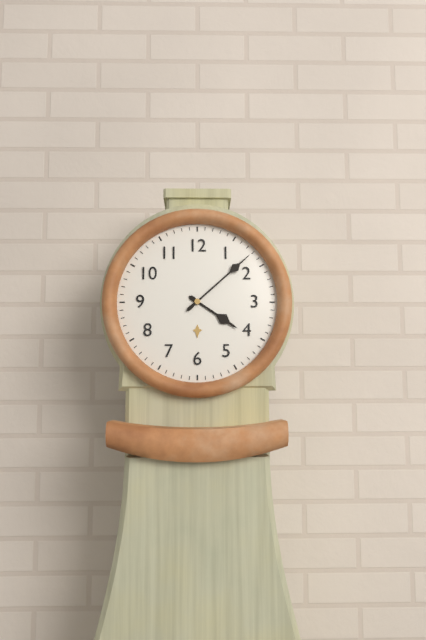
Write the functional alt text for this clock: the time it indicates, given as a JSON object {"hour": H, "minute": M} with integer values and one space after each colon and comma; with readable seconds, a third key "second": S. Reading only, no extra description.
{"hour": 4, "minute": 8}
